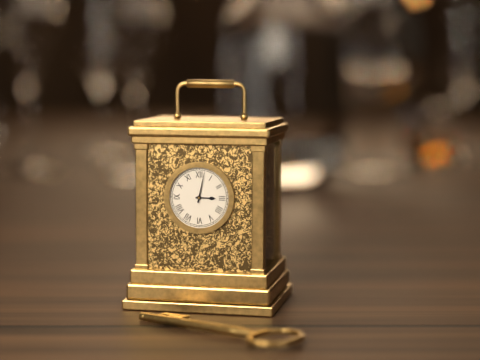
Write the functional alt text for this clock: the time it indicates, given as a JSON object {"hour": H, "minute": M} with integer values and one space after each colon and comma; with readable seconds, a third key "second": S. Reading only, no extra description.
{"hour": 3, "minute": 2}
